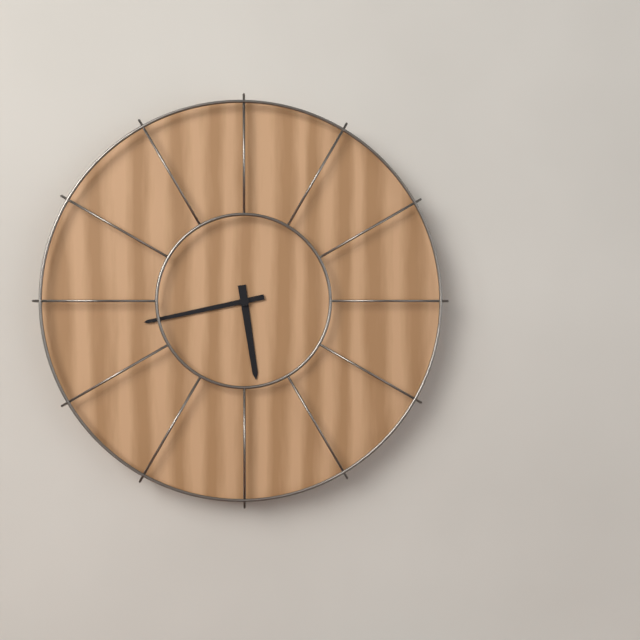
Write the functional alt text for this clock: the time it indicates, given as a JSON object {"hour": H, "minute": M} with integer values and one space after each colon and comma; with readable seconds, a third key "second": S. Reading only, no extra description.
{"hour": 5, "minute": 43}
